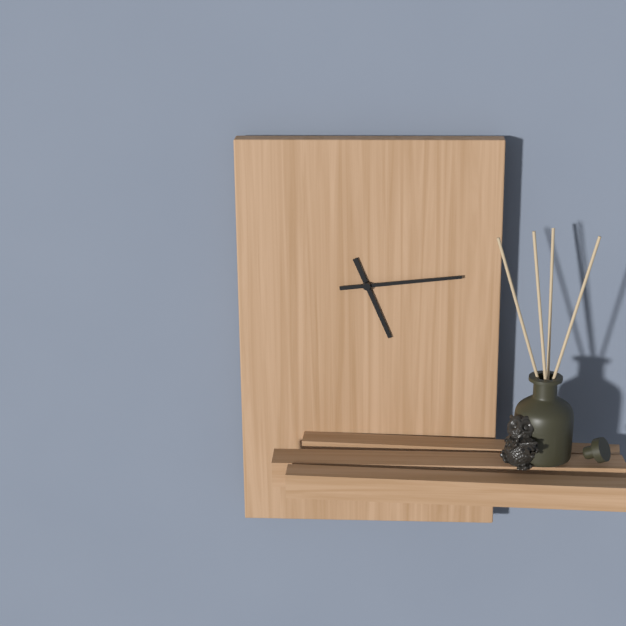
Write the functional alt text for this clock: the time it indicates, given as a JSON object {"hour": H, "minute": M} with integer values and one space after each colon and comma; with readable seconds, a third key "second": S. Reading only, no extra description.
{"hour": 5, "minute": 14}
